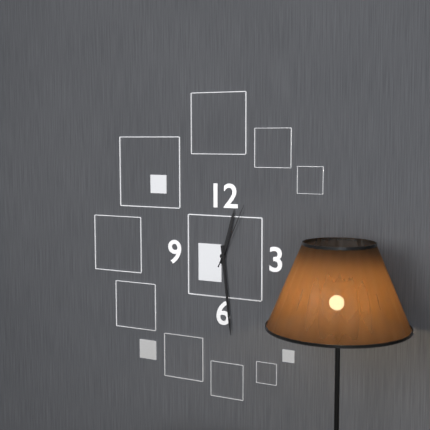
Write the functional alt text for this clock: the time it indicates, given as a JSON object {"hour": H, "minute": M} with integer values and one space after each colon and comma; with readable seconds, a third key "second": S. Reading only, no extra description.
{"hour": 12, "minute": 29, "second": 4}
